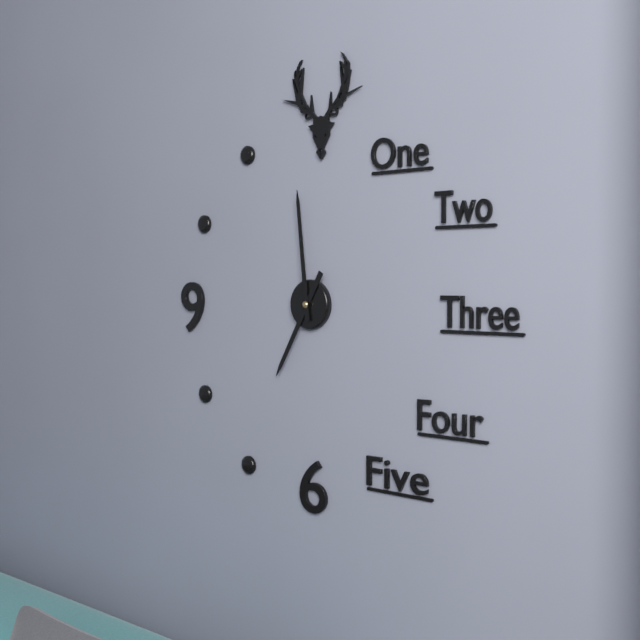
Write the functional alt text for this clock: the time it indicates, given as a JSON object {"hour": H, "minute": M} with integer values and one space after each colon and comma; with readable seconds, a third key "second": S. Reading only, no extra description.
{"hour": 6, "minute": 59}
